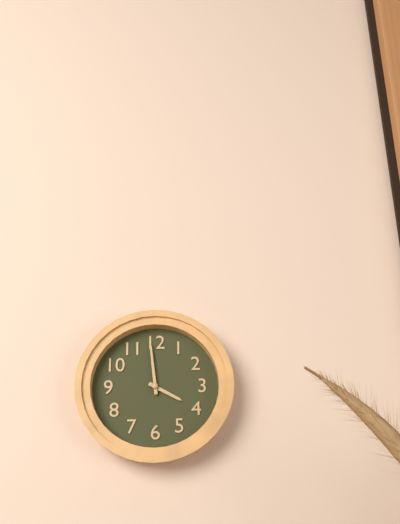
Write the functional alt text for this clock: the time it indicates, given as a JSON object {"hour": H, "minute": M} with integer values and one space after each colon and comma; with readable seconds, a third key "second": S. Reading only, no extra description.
{"hour": 3, "minute": 59}
